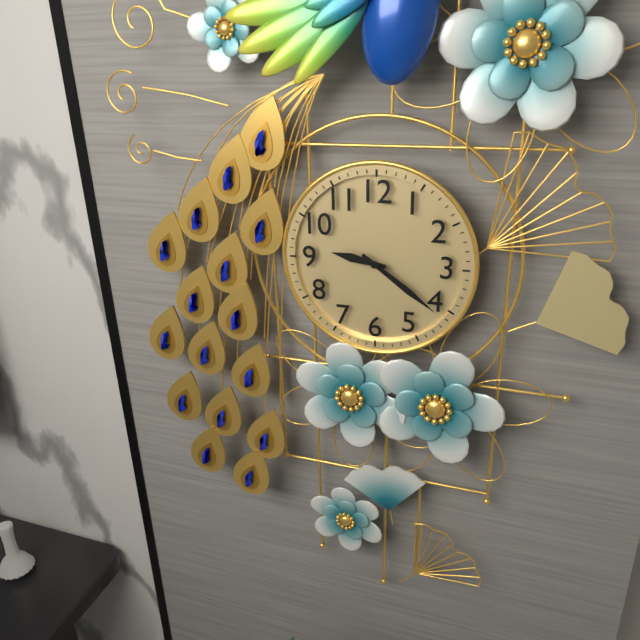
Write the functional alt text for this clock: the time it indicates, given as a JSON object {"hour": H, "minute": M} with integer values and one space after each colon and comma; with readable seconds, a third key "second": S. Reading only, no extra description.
{"hour": 9, "minute": 21}
